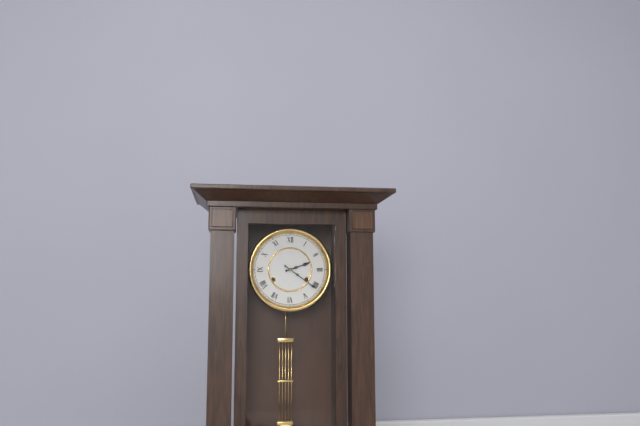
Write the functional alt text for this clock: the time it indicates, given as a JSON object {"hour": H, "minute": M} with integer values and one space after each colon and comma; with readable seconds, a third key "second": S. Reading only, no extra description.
{"hour": 2, "minute": 21}
